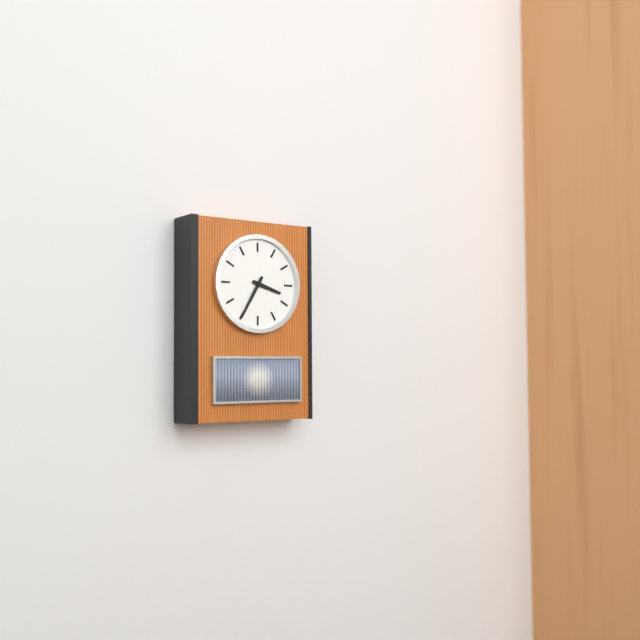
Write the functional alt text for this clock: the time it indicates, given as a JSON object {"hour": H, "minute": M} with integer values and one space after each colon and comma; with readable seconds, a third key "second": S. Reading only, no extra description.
{"hour": 3, "minute": 35}
